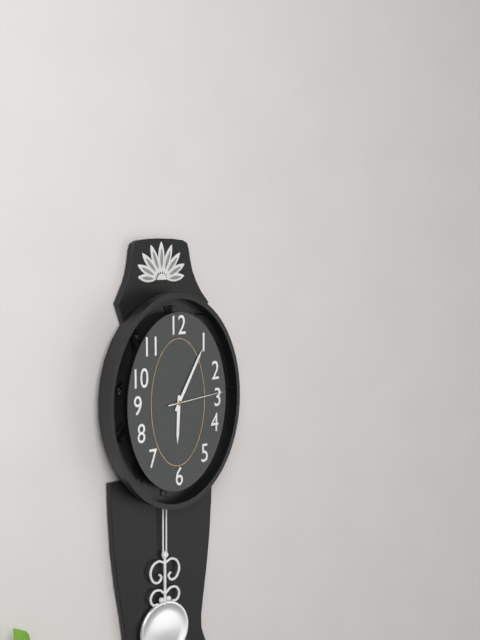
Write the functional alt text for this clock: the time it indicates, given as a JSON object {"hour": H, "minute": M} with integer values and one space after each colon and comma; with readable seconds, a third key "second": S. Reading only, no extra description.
{"hour": 6, "minute": 5, "second": 14}
